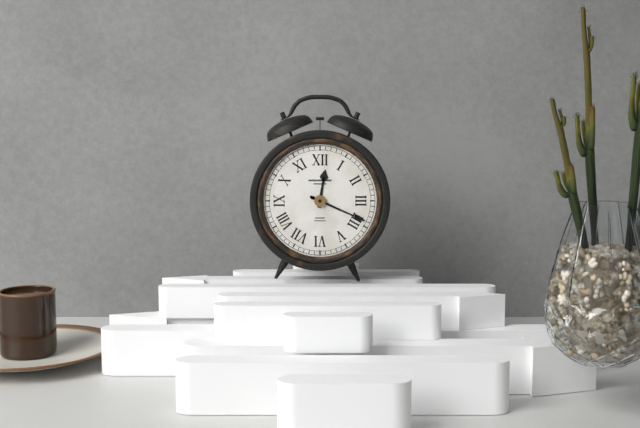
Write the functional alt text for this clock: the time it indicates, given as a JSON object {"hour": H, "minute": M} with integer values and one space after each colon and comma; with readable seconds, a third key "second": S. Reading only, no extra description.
{"hour": 12, "minute": 19}
